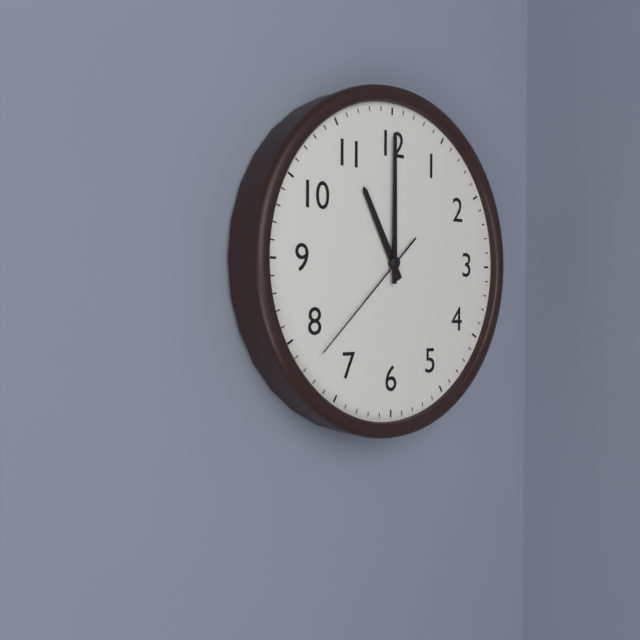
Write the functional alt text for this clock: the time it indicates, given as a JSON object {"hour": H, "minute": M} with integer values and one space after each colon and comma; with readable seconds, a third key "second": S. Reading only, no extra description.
{"hour": 11, "minute": 0, "second": 38}
